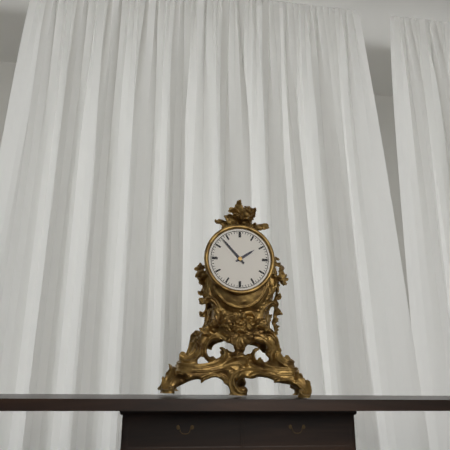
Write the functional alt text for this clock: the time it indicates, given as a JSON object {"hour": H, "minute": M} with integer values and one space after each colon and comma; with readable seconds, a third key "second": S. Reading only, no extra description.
{"hour": 1, "minute": 53}
